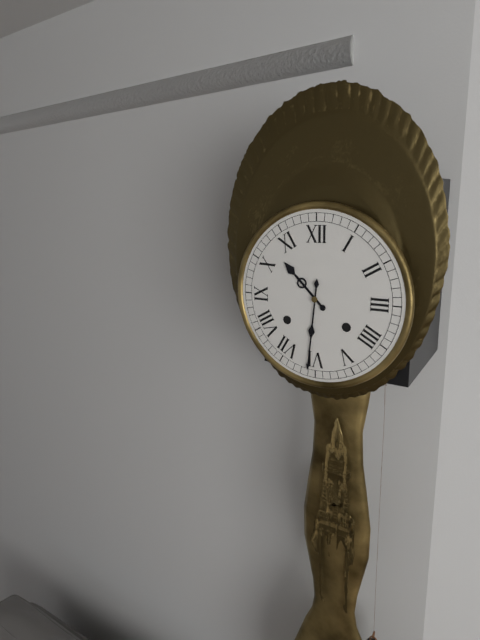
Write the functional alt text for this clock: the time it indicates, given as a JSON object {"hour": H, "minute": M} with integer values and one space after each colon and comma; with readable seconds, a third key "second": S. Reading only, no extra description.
{"hour": 10, "minute": 31}
